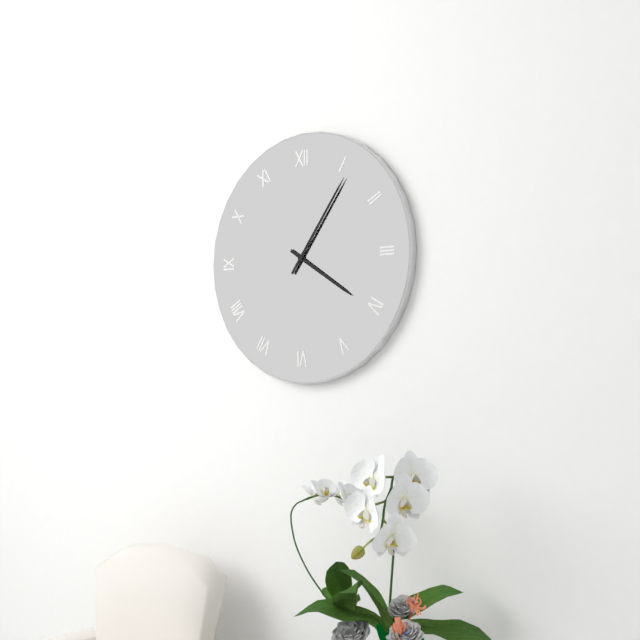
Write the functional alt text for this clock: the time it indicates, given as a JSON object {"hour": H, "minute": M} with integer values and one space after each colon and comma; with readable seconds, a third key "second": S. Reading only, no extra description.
{"hour": 4, "minute": 6}
